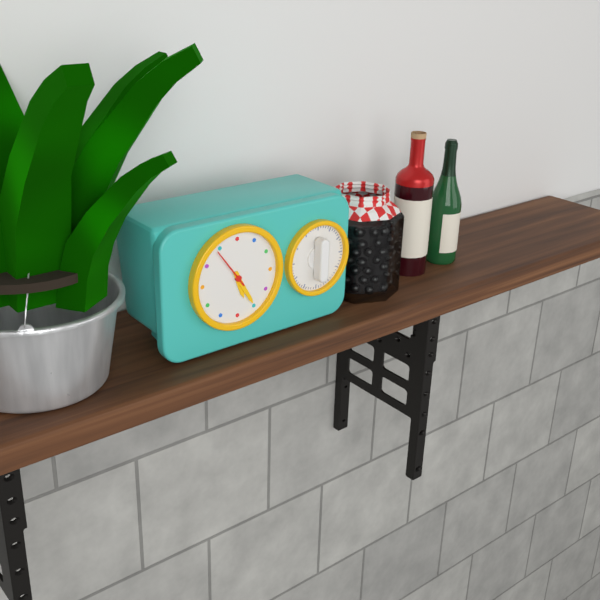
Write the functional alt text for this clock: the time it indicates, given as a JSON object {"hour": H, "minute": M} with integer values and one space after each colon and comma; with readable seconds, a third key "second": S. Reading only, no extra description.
{"hour": 5, "minute": 25}
